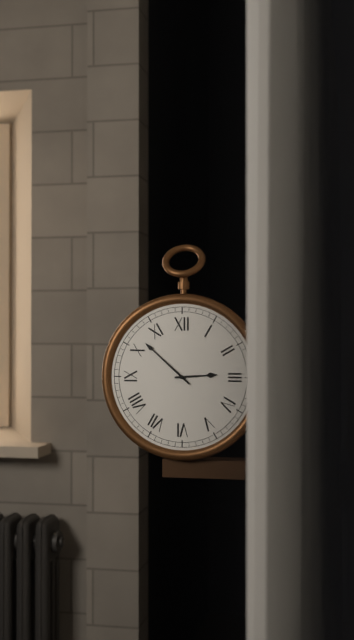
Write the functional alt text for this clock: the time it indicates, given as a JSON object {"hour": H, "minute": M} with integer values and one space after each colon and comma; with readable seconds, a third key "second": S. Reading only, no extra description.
{"hour": 2, "minute": 52}
